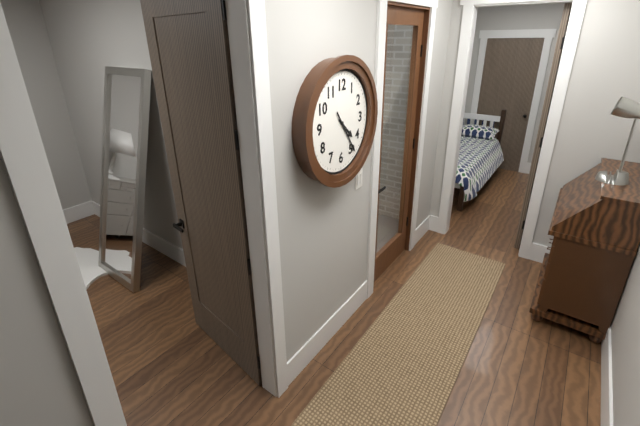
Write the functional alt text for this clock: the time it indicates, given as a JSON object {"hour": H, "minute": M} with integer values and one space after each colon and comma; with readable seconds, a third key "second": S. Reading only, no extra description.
{"hour": 4, "minute": 24}
